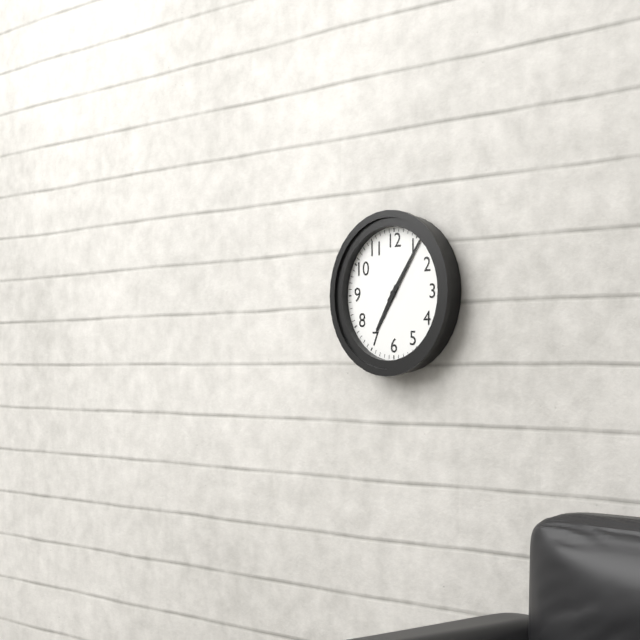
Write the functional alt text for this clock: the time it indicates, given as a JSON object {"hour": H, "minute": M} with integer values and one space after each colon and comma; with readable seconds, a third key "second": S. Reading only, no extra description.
{"hour": 7, "minute": 6}
